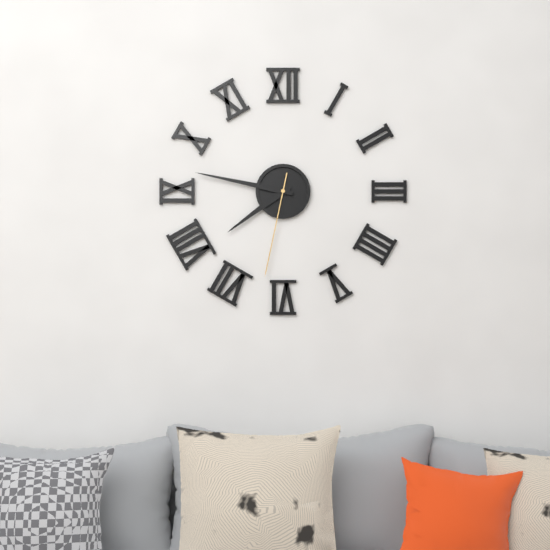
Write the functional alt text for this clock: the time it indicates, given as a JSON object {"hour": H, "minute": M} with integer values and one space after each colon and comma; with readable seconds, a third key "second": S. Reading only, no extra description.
{"hour": 7, "minute": 47, "second": 32}
